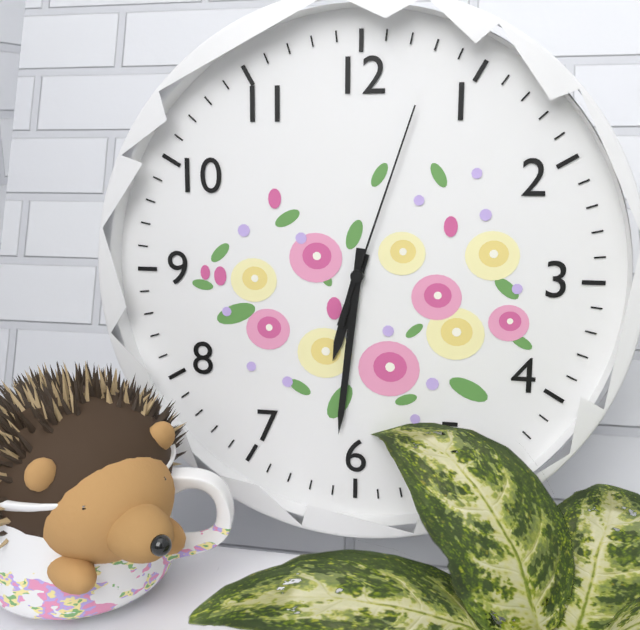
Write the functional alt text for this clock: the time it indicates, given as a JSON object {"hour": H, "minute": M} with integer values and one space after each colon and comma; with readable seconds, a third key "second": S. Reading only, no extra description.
{"hour": 6, "minute": 31, "second": 3}
